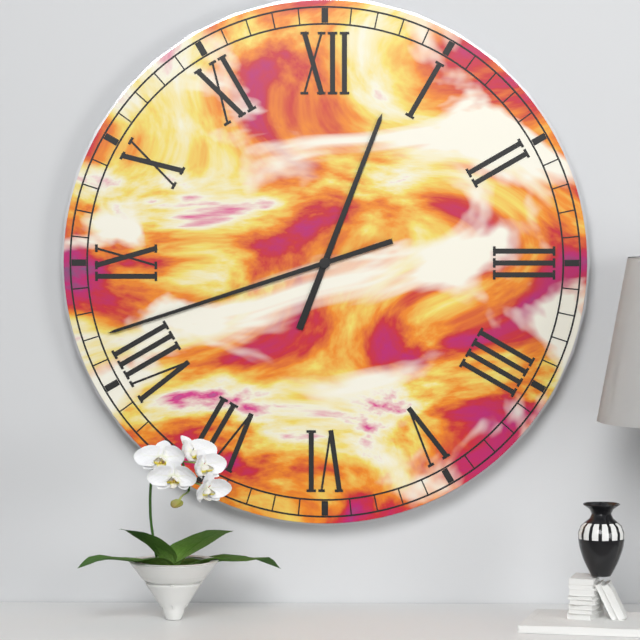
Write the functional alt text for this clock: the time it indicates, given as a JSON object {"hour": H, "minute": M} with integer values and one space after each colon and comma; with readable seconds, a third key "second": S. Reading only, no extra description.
{"hour": 12, "minute": 42}
